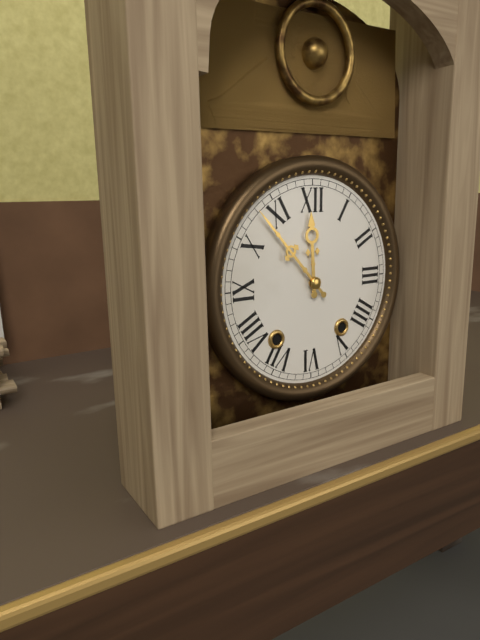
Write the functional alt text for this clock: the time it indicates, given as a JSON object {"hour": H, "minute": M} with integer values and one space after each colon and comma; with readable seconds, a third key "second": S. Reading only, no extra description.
{"hour": 11, "minute": 53}
